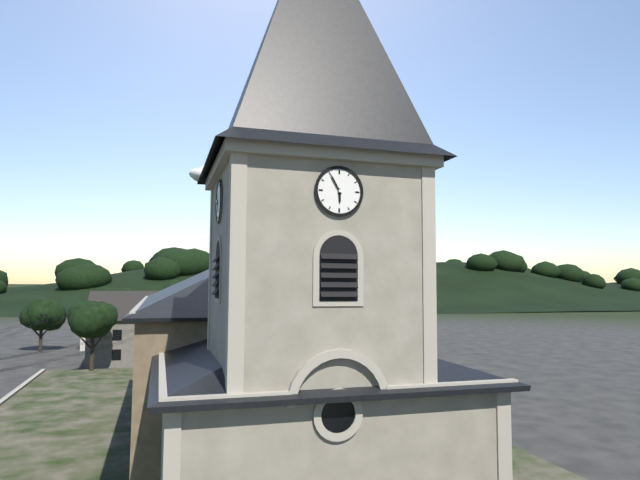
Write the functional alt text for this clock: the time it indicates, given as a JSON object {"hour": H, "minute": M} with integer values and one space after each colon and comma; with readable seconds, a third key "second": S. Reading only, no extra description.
{"hour": 5, "minute": 55}
